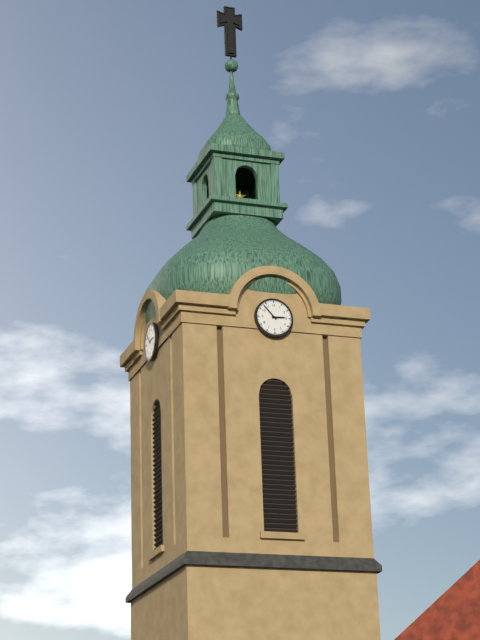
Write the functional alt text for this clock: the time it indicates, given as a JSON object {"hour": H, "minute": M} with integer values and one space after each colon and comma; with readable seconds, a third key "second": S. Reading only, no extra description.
{"hour": 2, "minute": 53}
